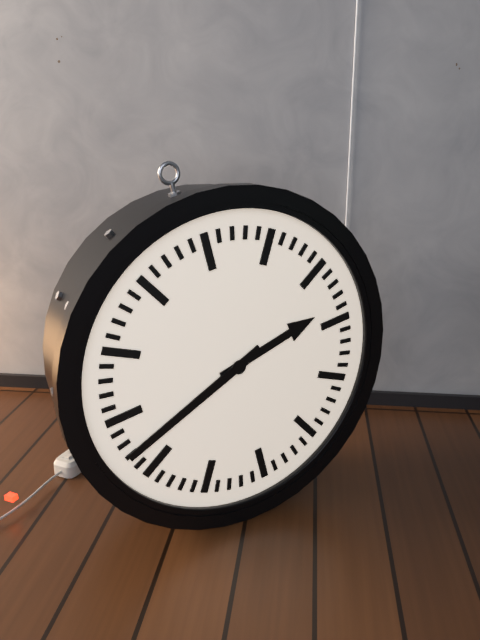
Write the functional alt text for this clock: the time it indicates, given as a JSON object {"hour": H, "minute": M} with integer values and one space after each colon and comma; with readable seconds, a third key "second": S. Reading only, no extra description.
{"hour": 2, "minute": 42}
